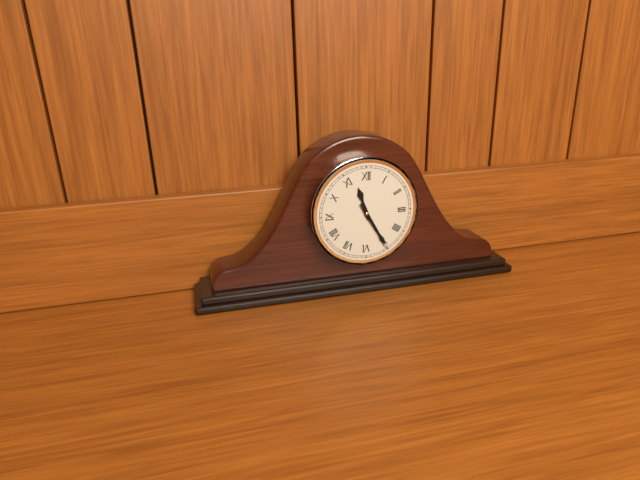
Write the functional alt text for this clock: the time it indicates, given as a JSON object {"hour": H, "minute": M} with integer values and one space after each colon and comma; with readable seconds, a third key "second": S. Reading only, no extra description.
{"hour": 11, "minute": 25, "second": 25}
